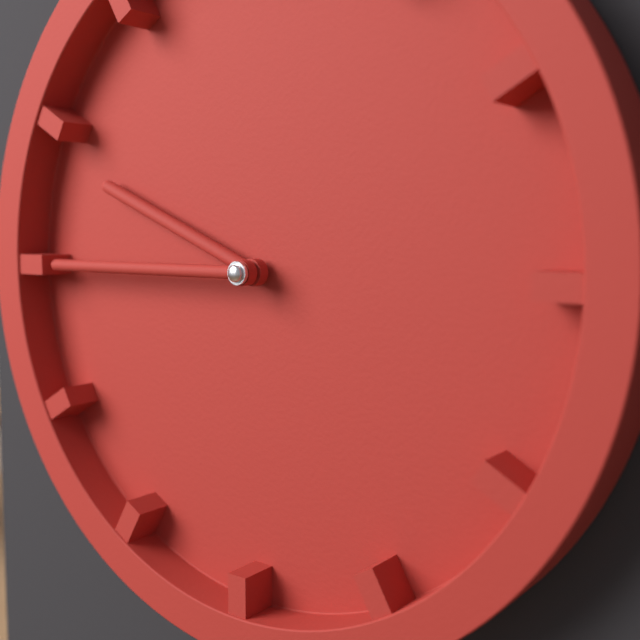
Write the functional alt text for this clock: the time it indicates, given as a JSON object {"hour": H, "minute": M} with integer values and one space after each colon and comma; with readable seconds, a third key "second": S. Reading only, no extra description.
{"hour": 9, "minute": 45}
